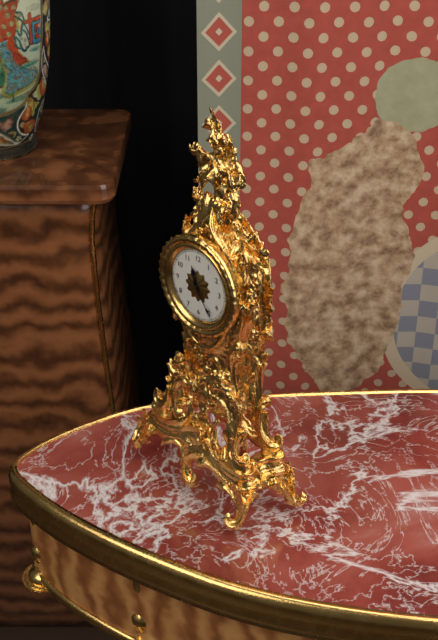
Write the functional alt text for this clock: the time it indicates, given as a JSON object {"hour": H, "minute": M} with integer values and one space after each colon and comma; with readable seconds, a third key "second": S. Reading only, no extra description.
{"hour": 11, "minute": 24}
